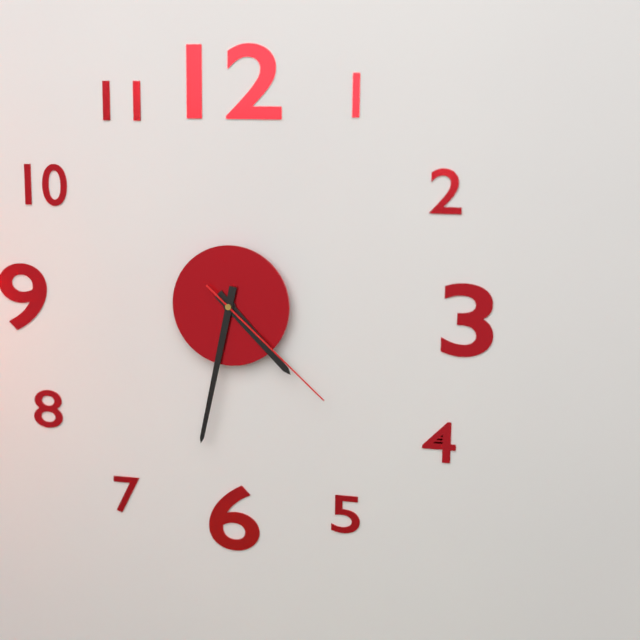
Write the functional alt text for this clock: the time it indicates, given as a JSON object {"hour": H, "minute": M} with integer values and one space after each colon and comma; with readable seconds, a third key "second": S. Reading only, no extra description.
{"hour": 4, "minute": 32, "second": 22}
